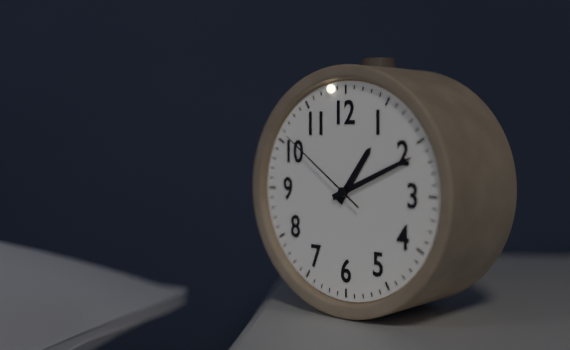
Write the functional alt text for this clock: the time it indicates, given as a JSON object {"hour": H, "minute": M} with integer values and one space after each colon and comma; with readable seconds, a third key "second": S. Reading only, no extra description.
{"hour": 1, "minute": 11, "second": 51}
